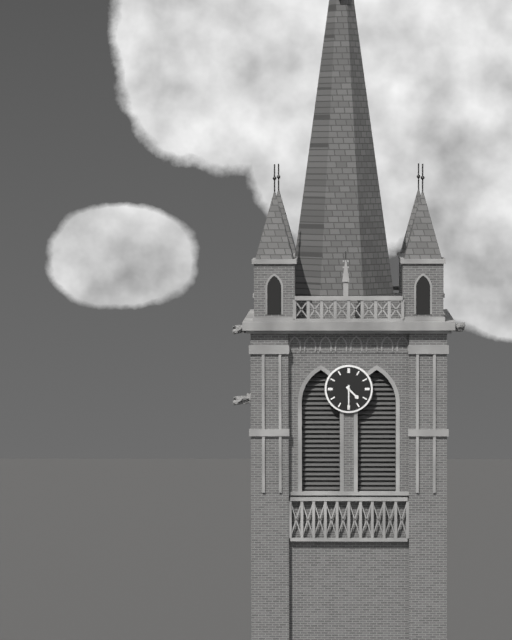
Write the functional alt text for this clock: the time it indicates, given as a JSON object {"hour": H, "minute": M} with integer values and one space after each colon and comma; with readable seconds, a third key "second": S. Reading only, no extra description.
{"hour": 4, "minute": 30}
